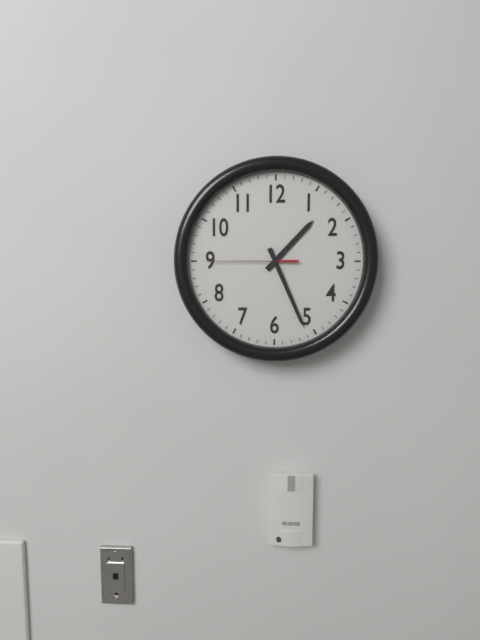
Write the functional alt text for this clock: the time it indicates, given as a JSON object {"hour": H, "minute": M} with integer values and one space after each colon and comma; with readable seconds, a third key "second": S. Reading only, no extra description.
{"hour": 1, "minute": 26, "second": 45}
